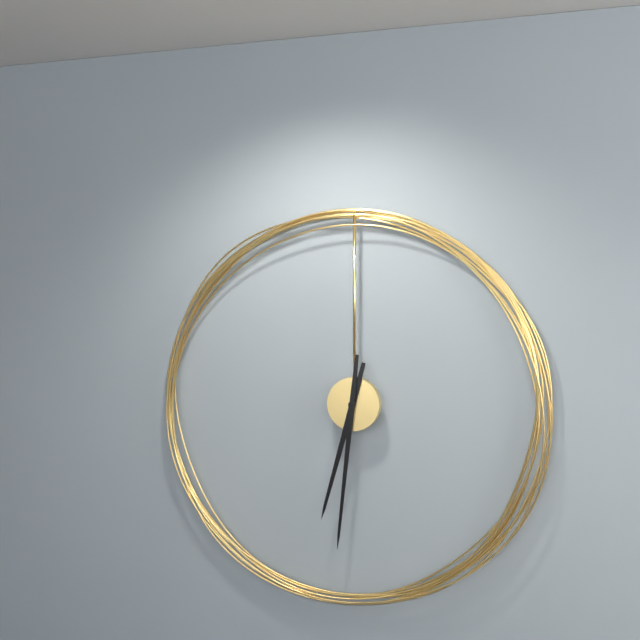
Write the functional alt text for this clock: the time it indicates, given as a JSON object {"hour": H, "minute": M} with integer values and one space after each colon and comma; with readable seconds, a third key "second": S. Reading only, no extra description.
{"hour": 6, "minute": 31}
